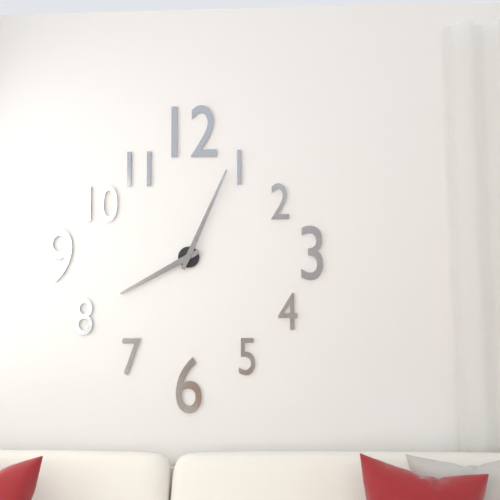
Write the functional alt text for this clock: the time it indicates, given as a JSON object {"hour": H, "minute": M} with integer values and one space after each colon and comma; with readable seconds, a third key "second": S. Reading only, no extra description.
{"hour": 8, "minute": 4}
